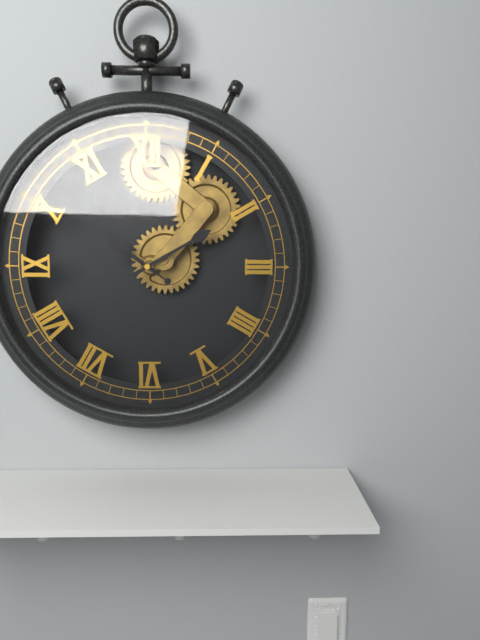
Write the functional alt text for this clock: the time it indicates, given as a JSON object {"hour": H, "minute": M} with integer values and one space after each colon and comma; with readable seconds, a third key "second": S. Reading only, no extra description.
{"hour": 10, "minute": 10, "second": 51}
